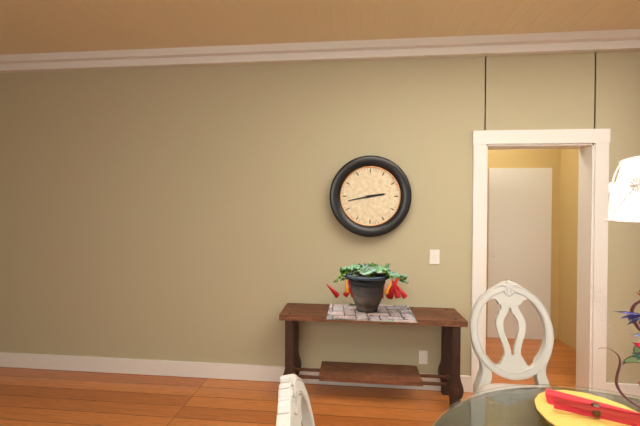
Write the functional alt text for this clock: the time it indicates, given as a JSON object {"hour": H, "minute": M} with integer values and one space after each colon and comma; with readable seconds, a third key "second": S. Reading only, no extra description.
{"hour": 2, "minute": 43}
